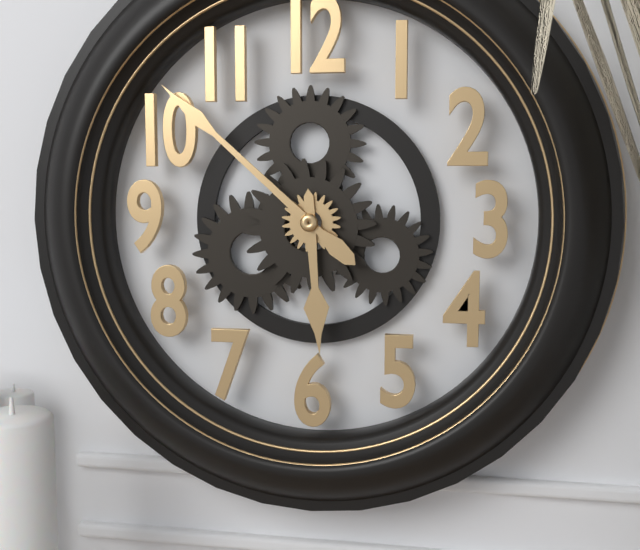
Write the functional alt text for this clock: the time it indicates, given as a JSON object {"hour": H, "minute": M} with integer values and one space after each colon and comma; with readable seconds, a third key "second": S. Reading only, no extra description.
{"hour": 5, "minute": 52}
